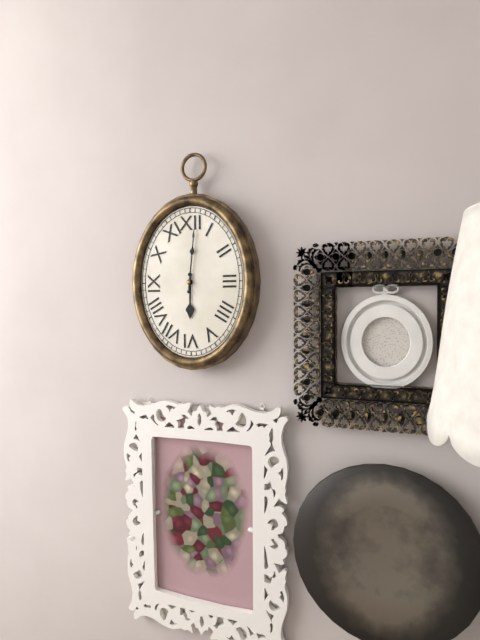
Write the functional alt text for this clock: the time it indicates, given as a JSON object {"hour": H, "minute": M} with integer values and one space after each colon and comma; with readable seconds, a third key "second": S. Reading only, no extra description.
{"hour": 6, "minute": 1}
